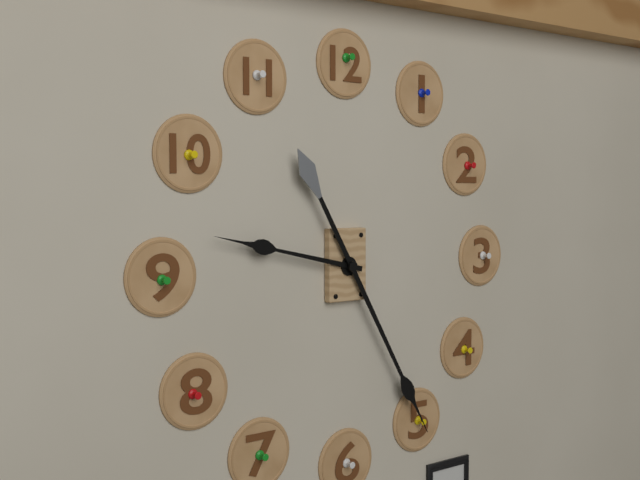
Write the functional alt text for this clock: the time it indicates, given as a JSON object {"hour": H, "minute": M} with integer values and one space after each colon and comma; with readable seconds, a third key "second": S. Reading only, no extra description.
{"hour": 9, "minute": 25}
